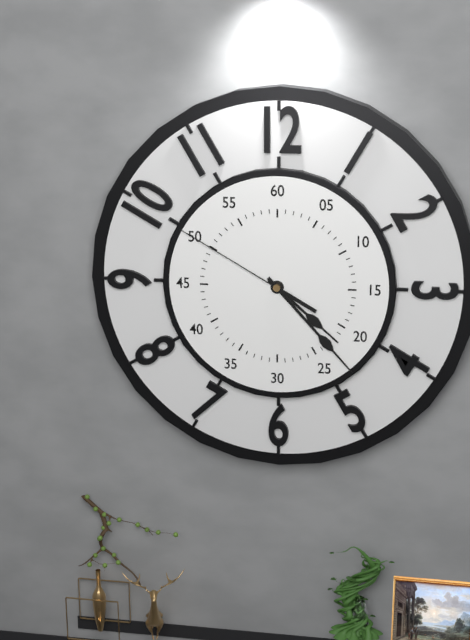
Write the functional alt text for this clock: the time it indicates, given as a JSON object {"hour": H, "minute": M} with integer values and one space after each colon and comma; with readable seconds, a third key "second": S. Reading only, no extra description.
{"hour": 4, "minute": 23, "second": 50}
